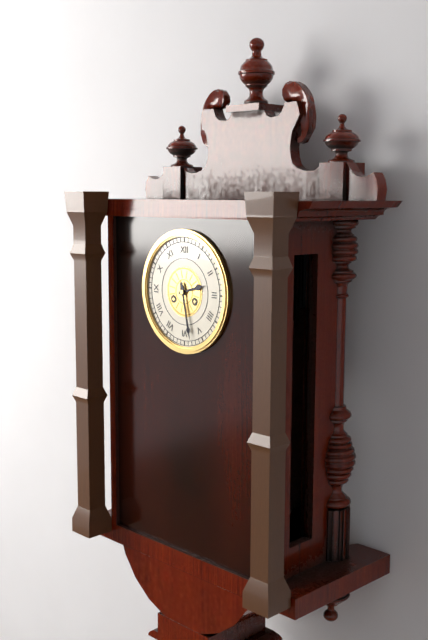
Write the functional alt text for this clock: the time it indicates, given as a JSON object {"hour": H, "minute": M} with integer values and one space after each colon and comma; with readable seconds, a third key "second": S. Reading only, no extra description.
{"hour": 2, "minute": 28}
